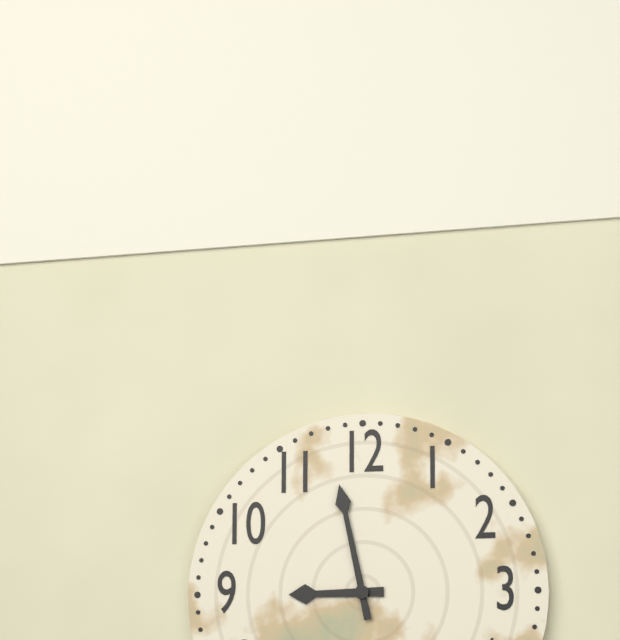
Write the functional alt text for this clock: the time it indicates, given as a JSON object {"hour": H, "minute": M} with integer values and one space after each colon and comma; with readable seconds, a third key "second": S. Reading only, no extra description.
{"hour": 8, "minute": 58}
